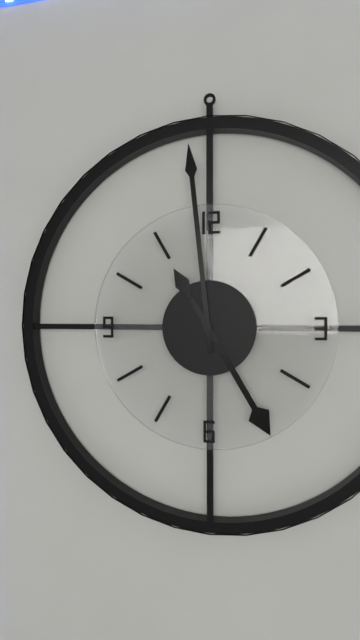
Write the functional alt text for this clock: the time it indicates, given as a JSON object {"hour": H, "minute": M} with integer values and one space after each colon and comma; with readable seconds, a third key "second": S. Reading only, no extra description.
{"hour": 4, "minute": 59}
